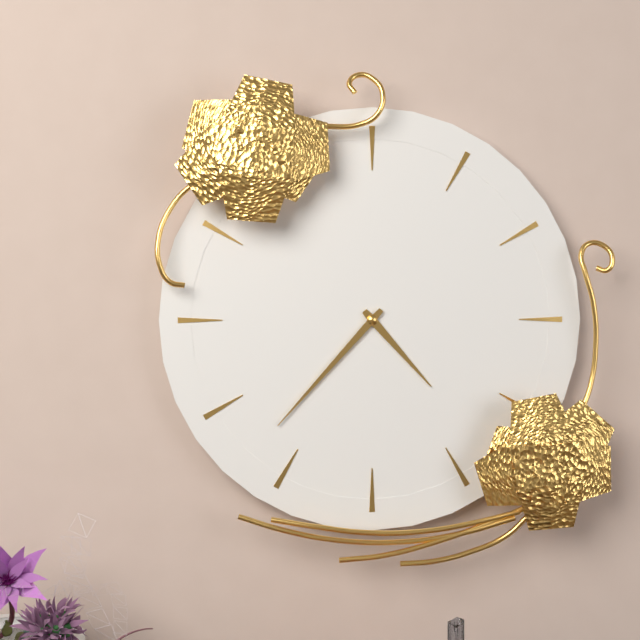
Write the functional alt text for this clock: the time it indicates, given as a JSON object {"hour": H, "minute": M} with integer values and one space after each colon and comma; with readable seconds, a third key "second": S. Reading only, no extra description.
{"hour": 4, "minute": 37}
